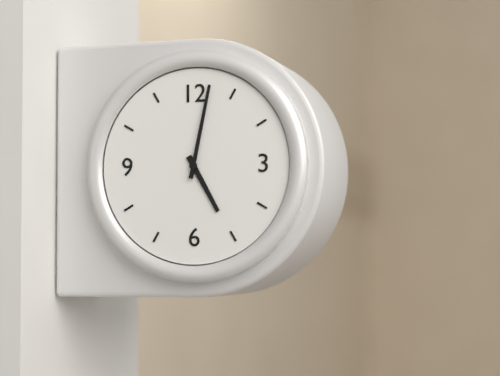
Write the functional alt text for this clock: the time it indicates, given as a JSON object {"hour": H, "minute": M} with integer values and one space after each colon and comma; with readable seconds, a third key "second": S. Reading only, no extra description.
{"hour": 5, "minute": 2}
